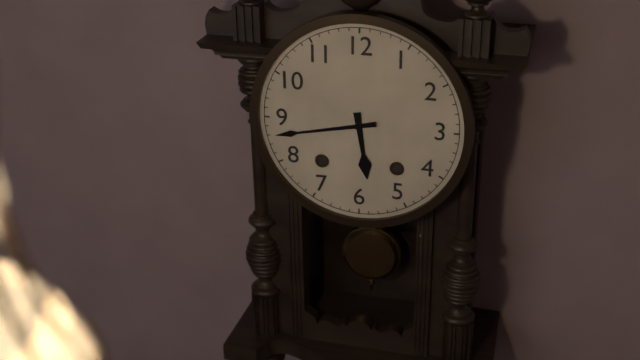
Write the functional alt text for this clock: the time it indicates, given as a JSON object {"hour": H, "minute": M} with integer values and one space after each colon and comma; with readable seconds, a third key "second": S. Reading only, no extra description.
{"hour": 5, "minute": 43}
